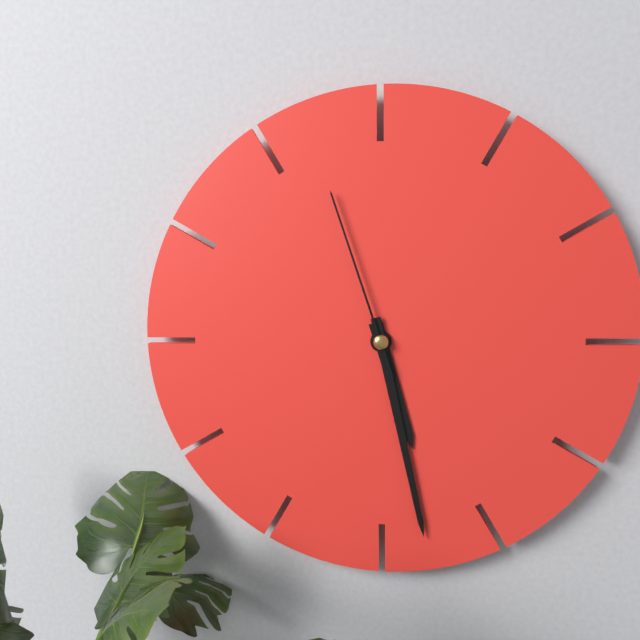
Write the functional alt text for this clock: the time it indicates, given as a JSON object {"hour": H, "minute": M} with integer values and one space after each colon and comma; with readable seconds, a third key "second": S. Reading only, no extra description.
{"hour": 5, "minute": 28, "second": 57}
